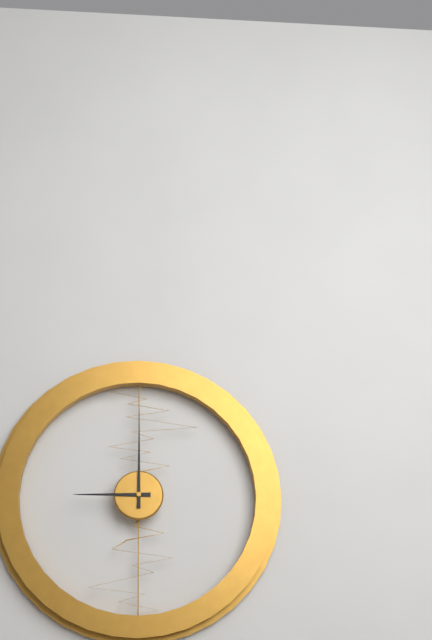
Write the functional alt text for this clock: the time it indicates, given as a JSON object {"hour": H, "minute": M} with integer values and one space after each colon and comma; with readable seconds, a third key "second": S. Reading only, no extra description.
{"hour": 9, "minute": 0}
